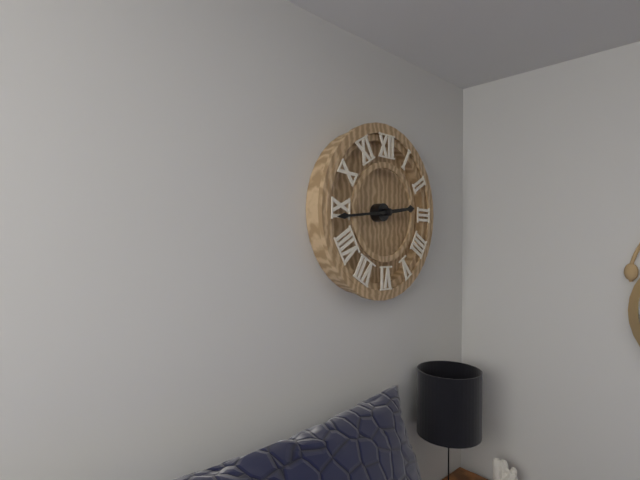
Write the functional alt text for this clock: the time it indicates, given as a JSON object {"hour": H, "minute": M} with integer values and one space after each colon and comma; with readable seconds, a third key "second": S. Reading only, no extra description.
{"hour": 2, "minute": 44}
